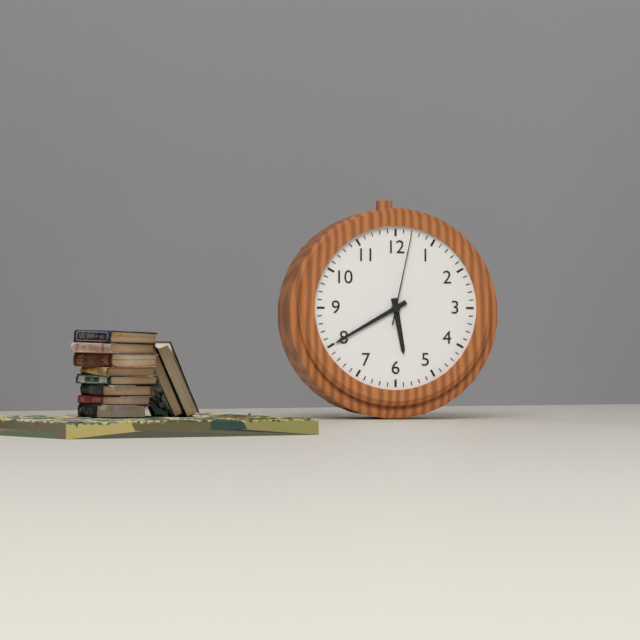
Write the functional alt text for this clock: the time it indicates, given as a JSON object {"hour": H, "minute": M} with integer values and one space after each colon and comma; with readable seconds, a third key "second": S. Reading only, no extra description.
{"hour": 5, "minute": 40, "second": 2}
